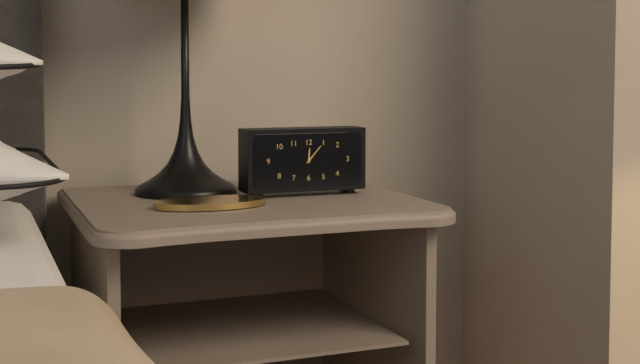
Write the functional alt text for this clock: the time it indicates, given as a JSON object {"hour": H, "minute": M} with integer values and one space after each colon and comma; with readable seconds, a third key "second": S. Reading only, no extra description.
{"hour": 12, "minute": 7}
